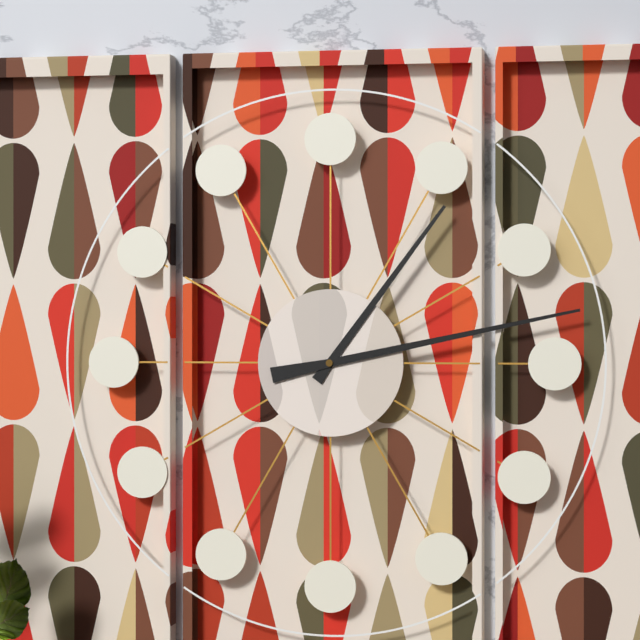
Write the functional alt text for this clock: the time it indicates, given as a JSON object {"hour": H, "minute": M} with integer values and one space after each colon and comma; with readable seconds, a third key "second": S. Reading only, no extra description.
{"hour": 1, "minute": 13}
